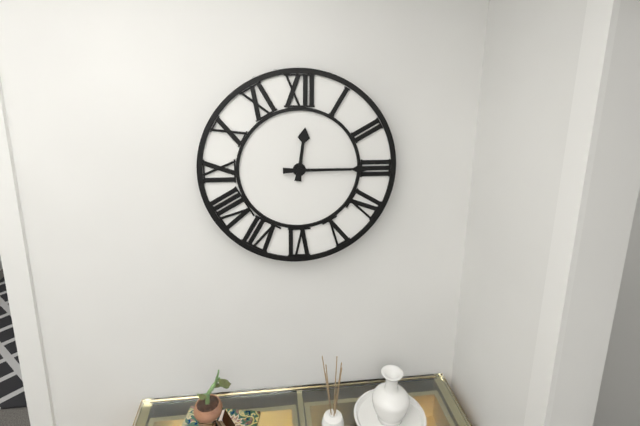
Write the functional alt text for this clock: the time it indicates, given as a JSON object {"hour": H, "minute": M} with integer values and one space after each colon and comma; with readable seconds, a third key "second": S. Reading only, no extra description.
{"hour": 12, "minute": 15}
